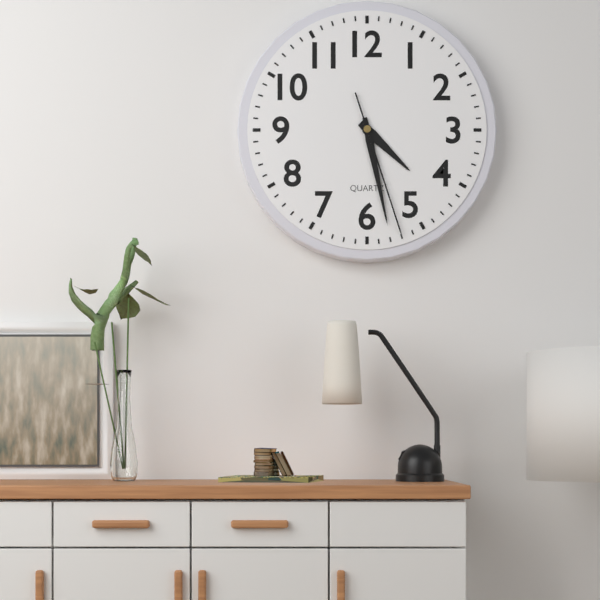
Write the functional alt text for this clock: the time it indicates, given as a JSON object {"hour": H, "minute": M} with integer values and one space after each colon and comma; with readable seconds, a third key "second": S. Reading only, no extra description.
{"hour": 4, "minute": 28, "second": 27}
